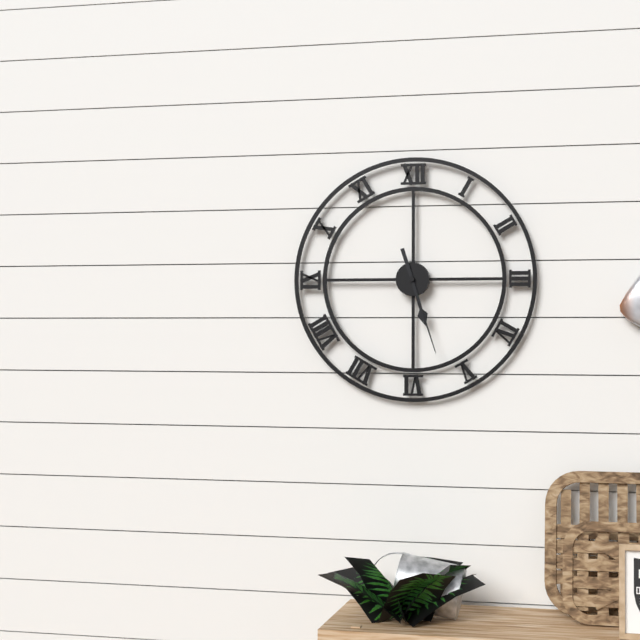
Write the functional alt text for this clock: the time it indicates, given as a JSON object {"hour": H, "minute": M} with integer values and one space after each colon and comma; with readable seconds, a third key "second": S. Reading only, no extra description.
{"hour": 5, "minute": 27}
